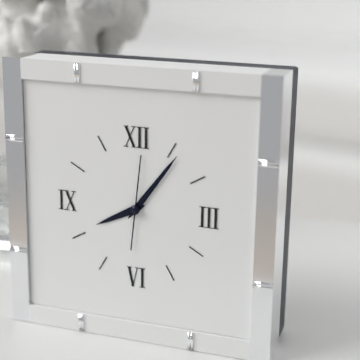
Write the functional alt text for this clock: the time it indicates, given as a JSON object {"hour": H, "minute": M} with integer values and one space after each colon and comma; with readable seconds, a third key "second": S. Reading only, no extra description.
{"hour": 8, "minute": 6, "second": 1}
